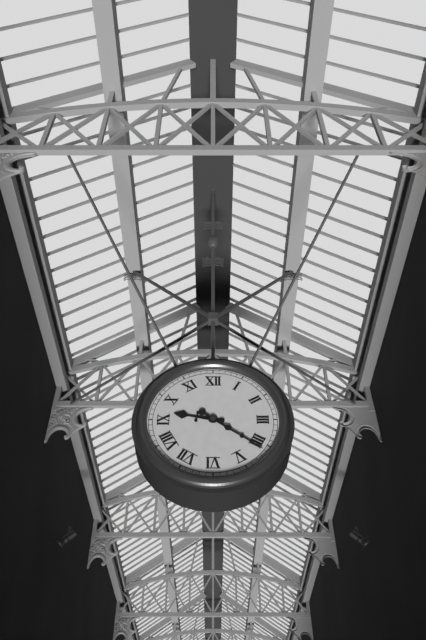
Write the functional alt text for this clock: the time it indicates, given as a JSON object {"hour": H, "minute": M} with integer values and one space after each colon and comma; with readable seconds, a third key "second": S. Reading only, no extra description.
{"hour": 9, "minute": 21}
